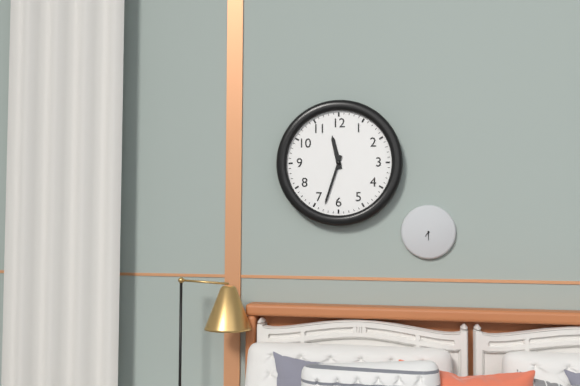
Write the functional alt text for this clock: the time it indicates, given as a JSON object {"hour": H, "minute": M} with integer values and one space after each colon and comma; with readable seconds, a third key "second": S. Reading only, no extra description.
{"hour": 11, "minute": 33}
